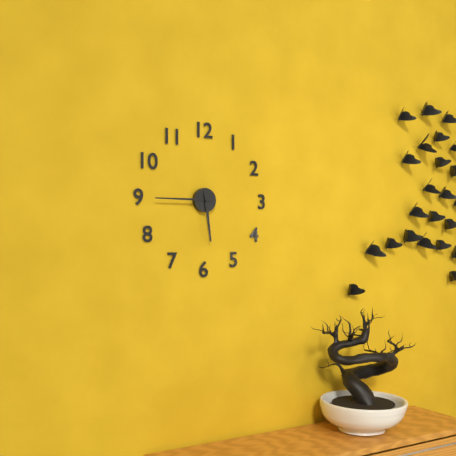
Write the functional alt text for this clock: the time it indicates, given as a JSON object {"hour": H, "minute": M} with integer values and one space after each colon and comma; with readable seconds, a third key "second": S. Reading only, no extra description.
{"hour": 5, "minute": 45}
